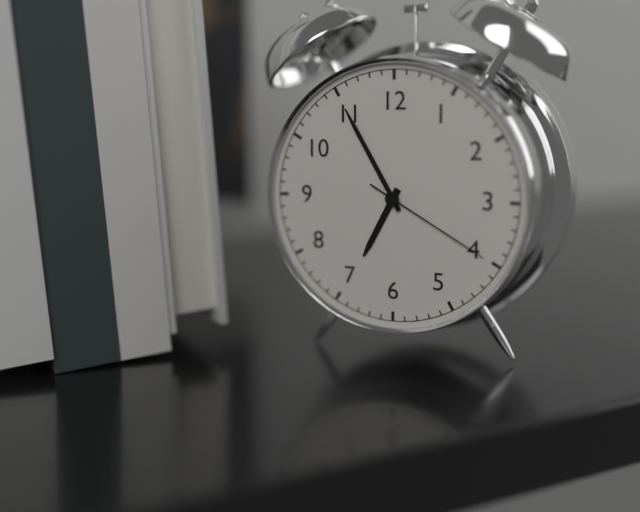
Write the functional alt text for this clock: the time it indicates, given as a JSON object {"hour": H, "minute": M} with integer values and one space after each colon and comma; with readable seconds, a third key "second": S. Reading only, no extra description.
{"hour": 6, "minute": 55, "second": 20}
